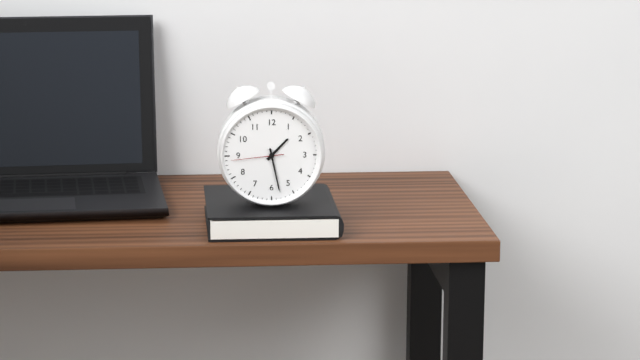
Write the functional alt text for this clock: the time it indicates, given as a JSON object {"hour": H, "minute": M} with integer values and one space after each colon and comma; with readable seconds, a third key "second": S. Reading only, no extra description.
{"hour": 1, "minute": 28, "second": 44}
